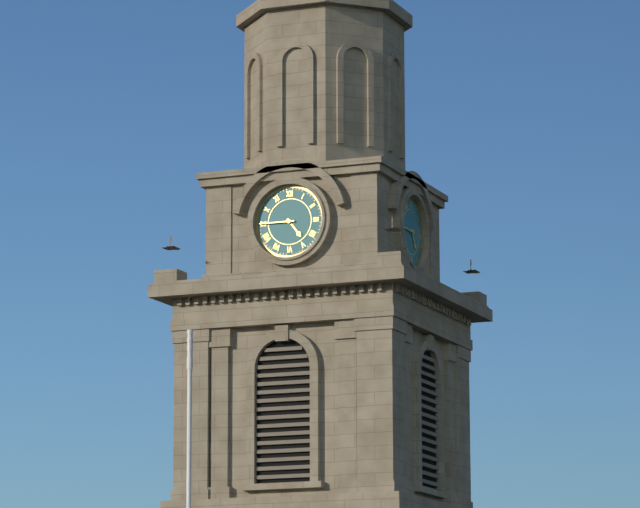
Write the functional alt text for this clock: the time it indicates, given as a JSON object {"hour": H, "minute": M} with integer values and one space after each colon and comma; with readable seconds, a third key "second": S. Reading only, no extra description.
{"hour": 4, "minute": 45}
